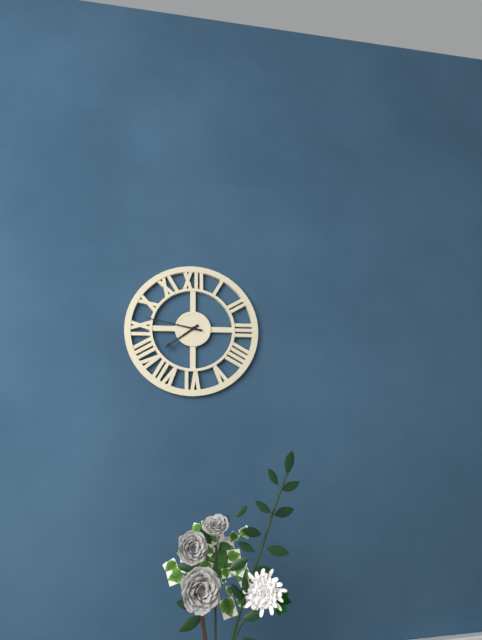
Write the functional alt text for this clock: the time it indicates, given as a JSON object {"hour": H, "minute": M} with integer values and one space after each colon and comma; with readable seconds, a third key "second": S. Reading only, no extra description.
{"hour": 7, "minute": 47}
